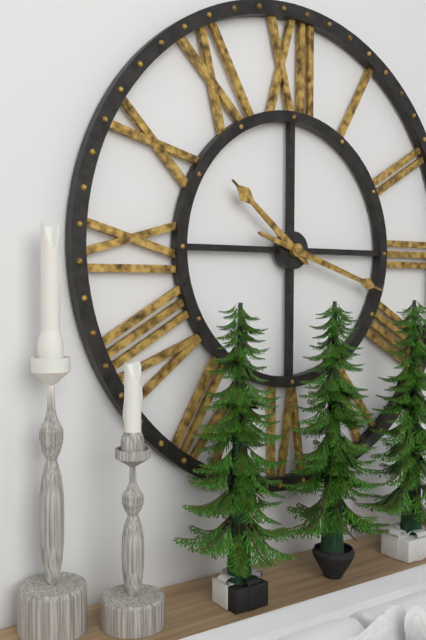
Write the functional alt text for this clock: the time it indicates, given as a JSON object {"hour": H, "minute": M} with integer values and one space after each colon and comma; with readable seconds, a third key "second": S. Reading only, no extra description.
{"hour": 10, "minute": 18}
